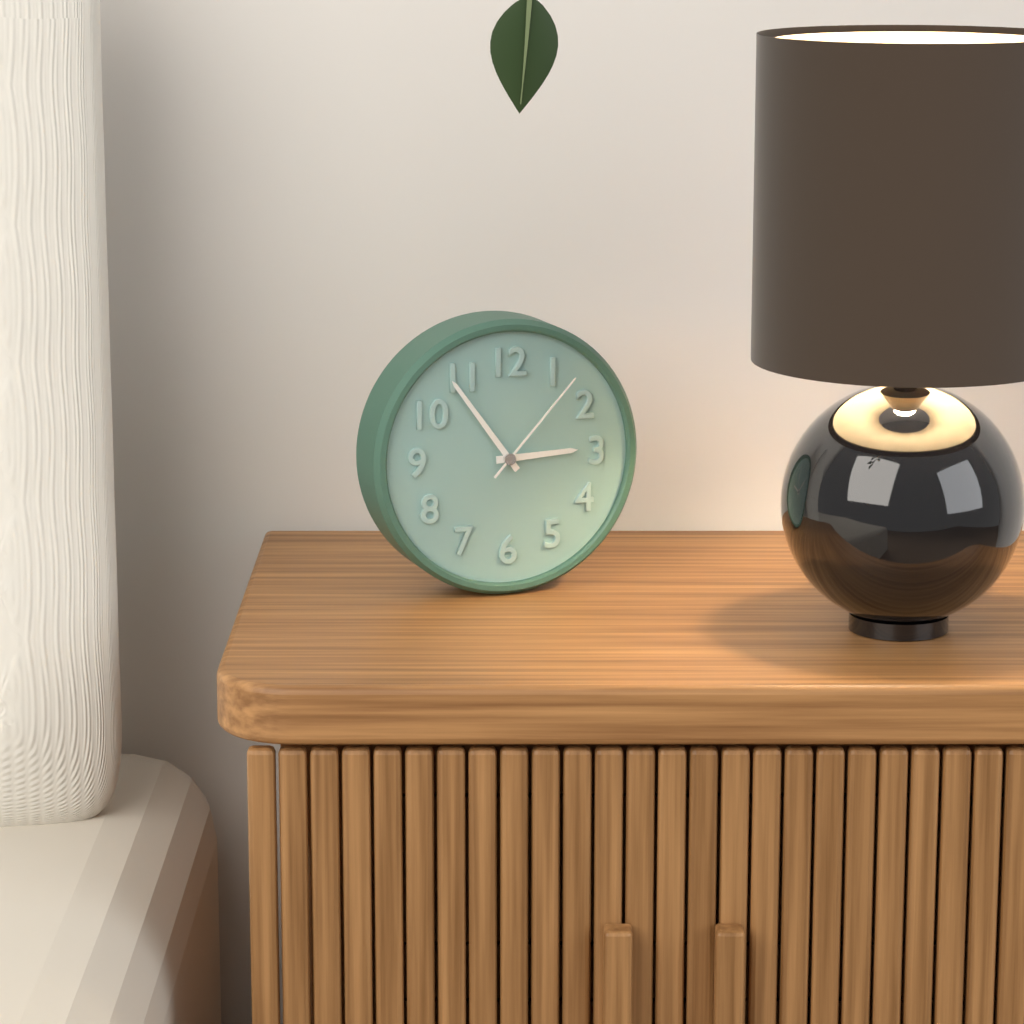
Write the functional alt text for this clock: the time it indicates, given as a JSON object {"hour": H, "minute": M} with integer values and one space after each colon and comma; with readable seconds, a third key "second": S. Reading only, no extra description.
{"hour": 2, "minute": 54, "second": 7}
